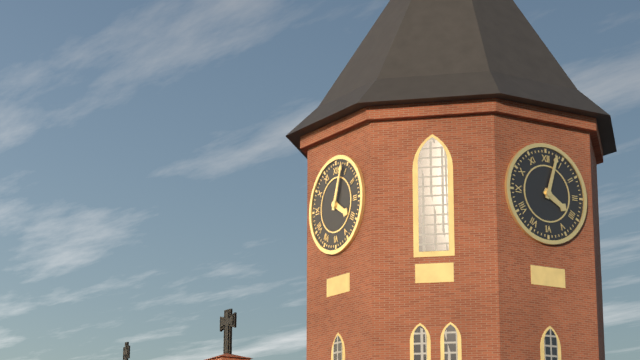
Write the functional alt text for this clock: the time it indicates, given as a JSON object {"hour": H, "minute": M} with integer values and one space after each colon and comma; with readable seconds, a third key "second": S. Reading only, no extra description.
{"hour": 4, "minute": 3}
